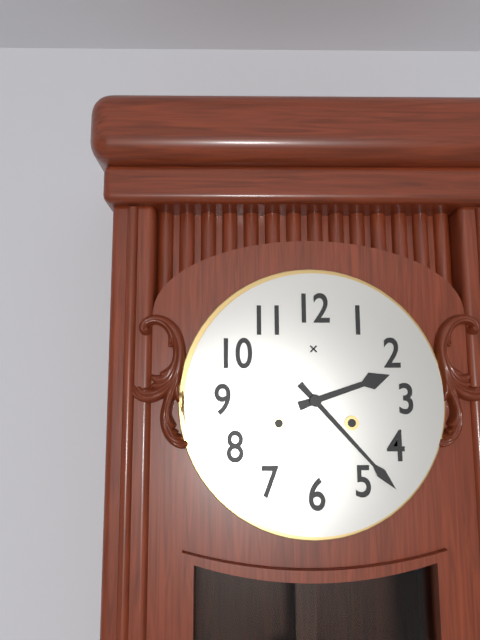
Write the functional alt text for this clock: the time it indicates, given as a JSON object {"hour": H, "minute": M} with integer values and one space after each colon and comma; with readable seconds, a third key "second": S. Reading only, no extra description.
{"hour": 2, "minute": 23}
